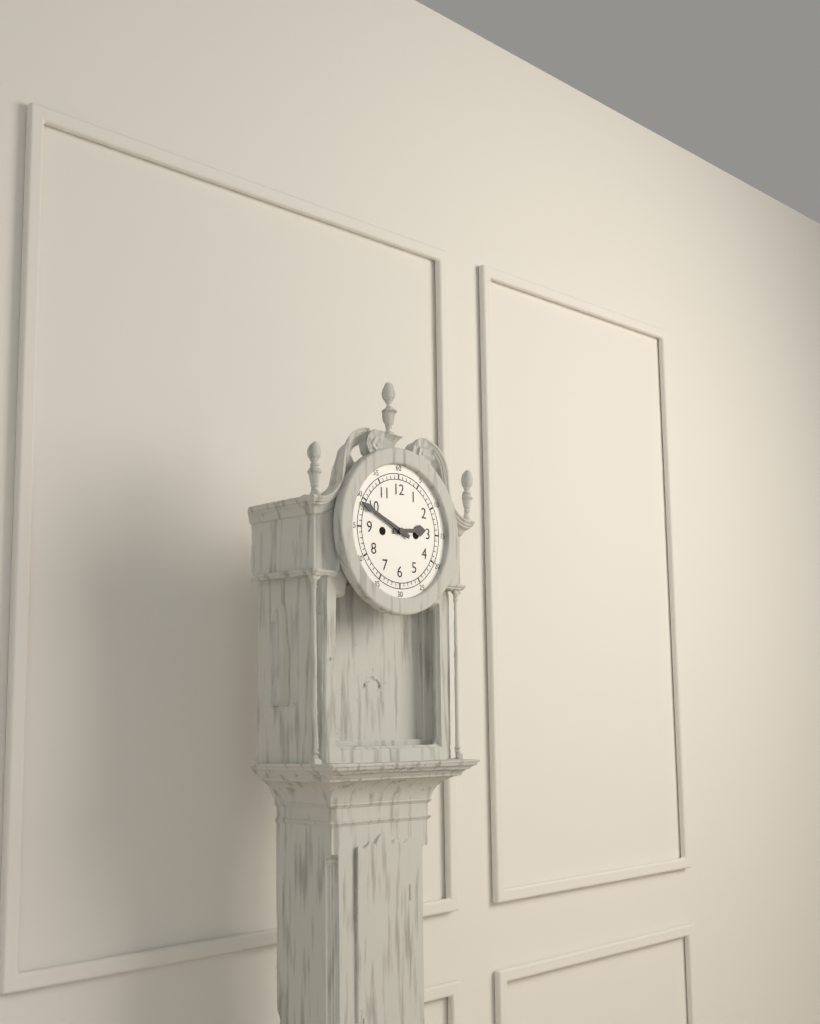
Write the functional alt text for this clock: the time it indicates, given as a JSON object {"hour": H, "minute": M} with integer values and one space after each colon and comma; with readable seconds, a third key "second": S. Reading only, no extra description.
{"hour": 2, "minute": 49}
